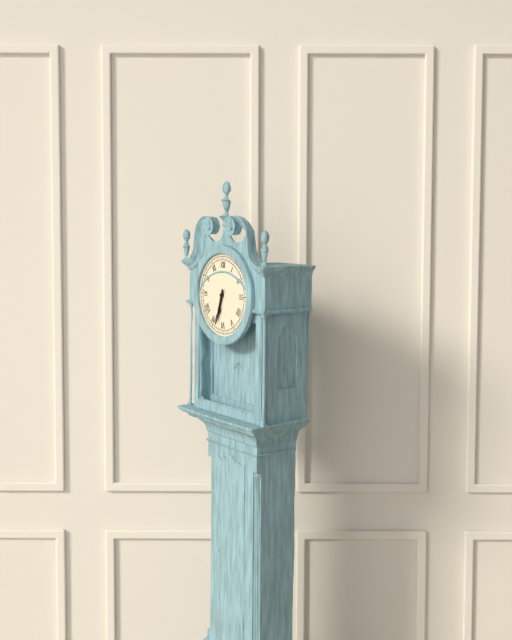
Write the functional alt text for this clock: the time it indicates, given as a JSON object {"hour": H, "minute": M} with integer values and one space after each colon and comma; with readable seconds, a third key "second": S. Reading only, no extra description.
{"hour": 6, "minute": 33}
